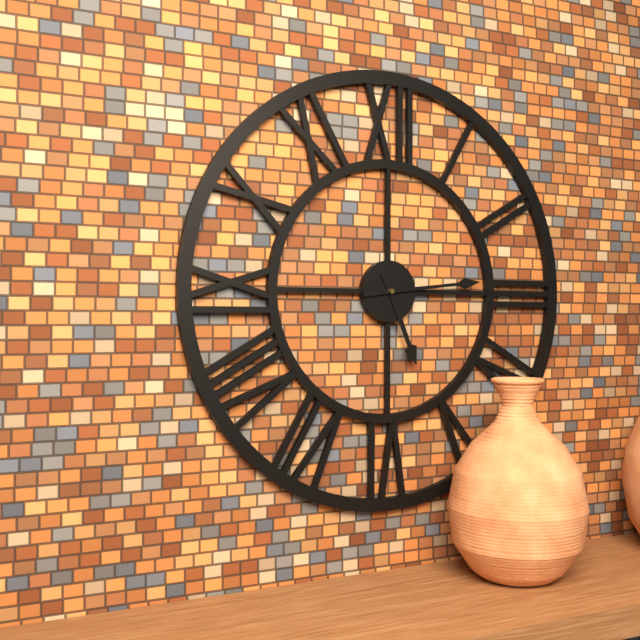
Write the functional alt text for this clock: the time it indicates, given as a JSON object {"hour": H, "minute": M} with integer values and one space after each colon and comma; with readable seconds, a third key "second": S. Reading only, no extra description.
{"hour": 5, "minute": 14}
